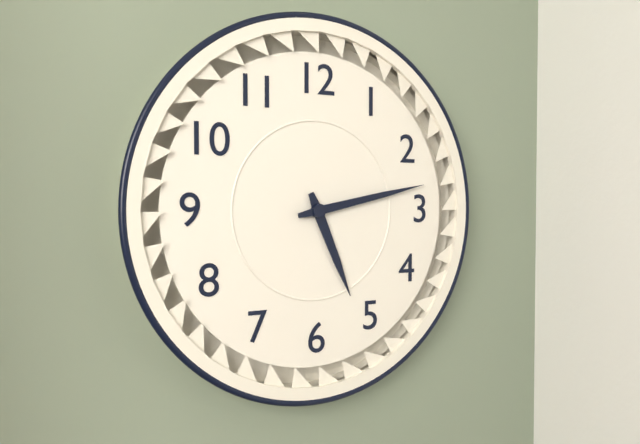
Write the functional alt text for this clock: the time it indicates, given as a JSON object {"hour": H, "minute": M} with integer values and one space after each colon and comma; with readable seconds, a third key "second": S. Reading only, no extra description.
{"hour": 5, "minute": 13}
